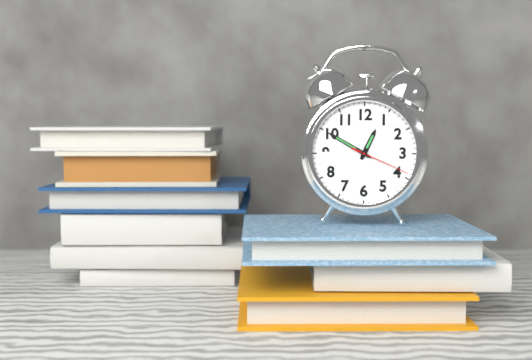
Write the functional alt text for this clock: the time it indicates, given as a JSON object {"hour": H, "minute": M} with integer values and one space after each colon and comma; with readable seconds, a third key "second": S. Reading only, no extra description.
{"hour": 12, "minute": 50, "second": 19}
